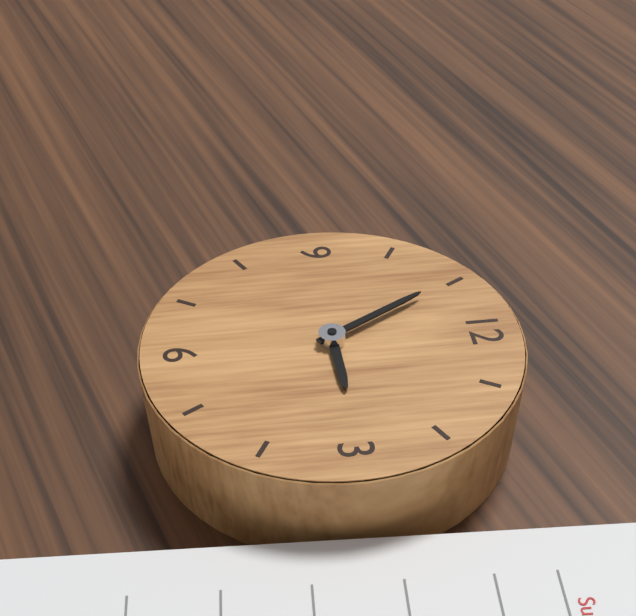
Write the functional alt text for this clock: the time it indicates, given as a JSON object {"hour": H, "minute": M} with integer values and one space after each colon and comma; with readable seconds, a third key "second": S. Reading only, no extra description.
{"hour": 2, "minute": 55}
